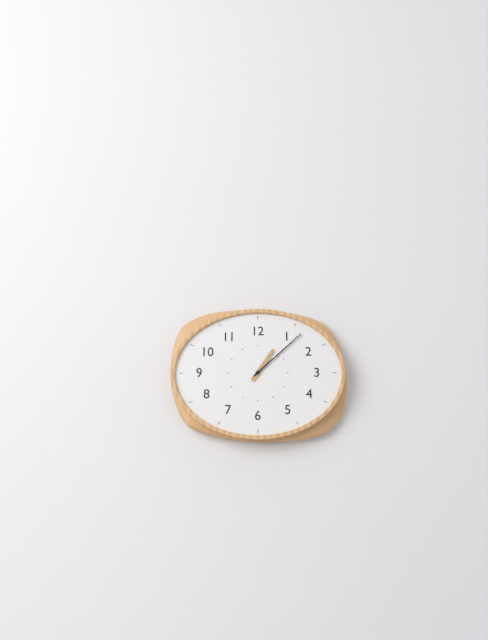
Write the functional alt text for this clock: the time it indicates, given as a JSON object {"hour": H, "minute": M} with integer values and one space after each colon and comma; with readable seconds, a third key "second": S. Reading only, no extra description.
{"hour": 1, "minute": 8}
